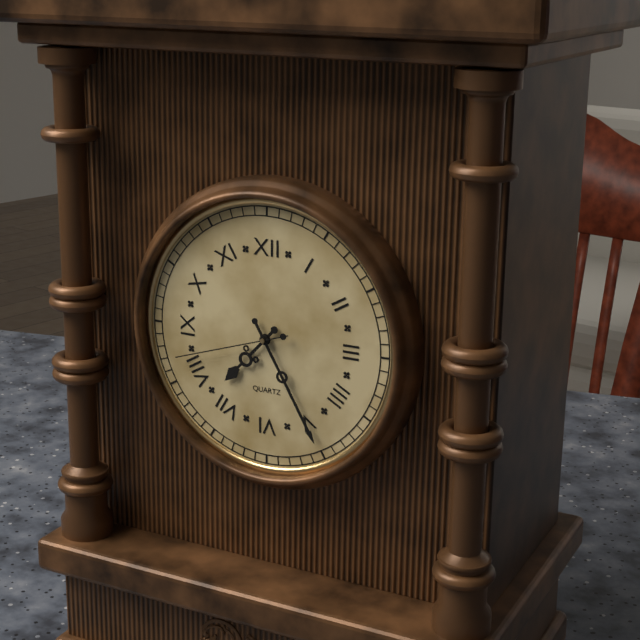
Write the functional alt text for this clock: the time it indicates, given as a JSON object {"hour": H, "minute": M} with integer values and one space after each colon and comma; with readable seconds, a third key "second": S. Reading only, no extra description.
{"hour": 7, "minute": 25, "second": 42}
